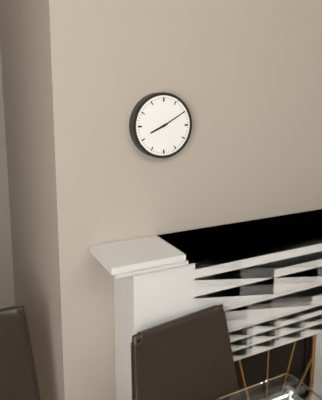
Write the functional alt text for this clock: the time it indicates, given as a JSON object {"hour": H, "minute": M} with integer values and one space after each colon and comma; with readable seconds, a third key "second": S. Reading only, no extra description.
{"hour": 8, "minute": 10}
